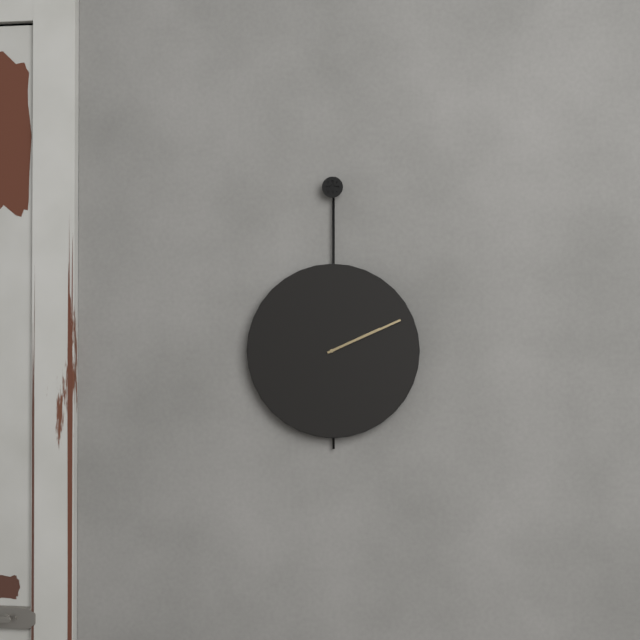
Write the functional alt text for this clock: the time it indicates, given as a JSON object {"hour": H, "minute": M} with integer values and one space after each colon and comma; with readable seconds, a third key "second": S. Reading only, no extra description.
{"hour": 2, "minute": 11}
